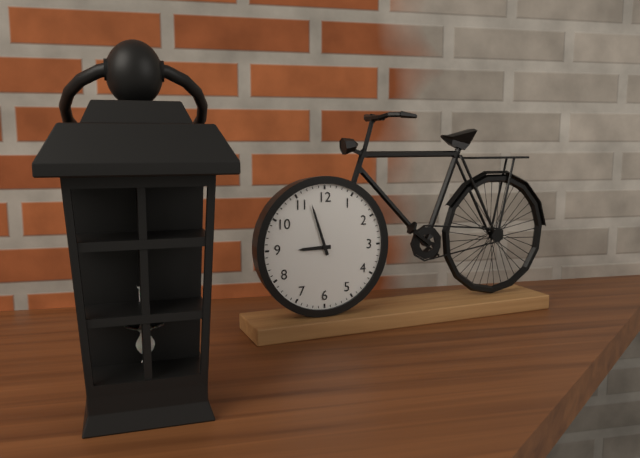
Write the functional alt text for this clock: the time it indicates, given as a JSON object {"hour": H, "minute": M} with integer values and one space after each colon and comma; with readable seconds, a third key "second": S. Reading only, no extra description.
{"hour": 8, "minute": 57}
